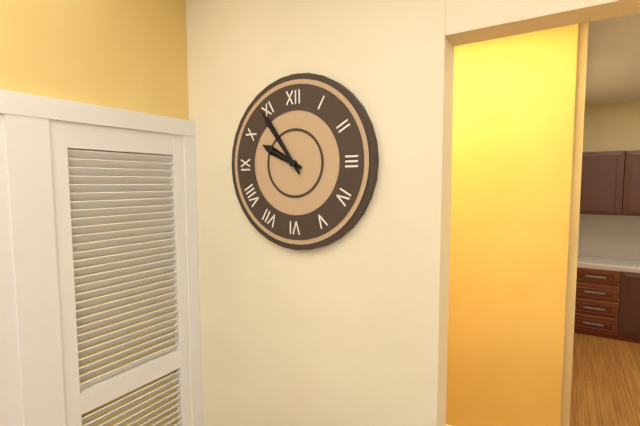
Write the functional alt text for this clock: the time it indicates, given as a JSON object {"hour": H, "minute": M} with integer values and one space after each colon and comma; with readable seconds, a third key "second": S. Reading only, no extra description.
{"hour": 9, "minute": 54}
